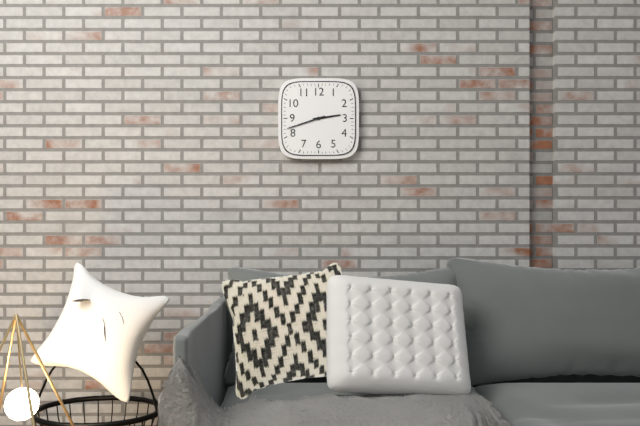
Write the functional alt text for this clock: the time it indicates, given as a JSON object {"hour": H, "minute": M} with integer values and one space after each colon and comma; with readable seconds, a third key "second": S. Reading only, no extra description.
{"hour": 2, "minute": 42}
